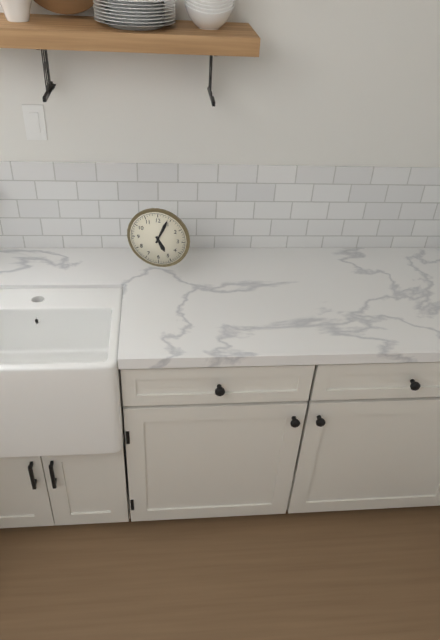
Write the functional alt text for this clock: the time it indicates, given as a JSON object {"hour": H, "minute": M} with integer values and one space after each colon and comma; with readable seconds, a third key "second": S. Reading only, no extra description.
{"hour": 5, "minute": 4}
